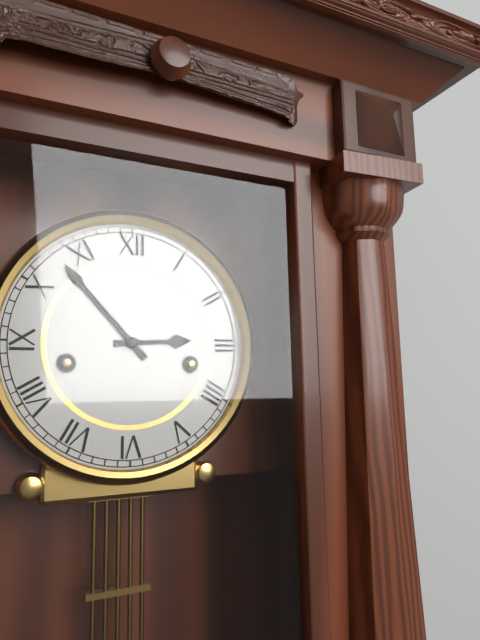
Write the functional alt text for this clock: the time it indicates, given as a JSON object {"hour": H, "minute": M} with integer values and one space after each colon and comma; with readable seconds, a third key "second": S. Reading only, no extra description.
{"hour": 2, "minute": 53}
